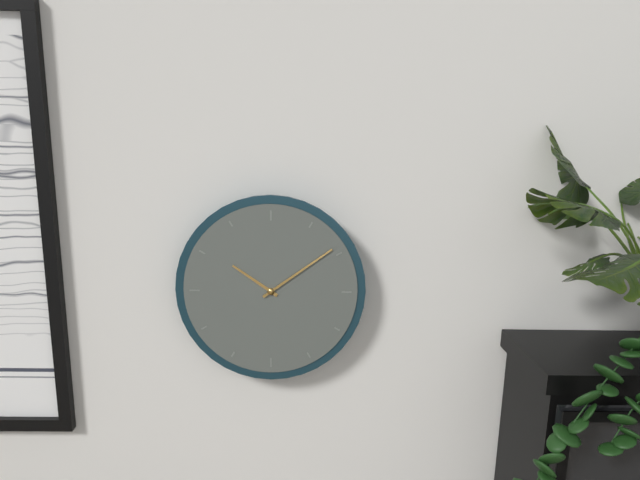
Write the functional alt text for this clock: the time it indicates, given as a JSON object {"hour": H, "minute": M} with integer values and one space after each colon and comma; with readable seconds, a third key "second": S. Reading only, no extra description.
{"hour": 10, "minute": 9}
